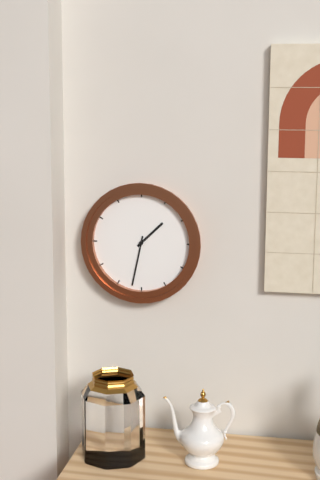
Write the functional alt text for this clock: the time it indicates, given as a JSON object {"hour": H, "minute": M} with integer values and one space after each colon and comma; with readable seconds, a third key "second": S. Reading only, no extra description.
{"hour": 1, "minute": 32}
